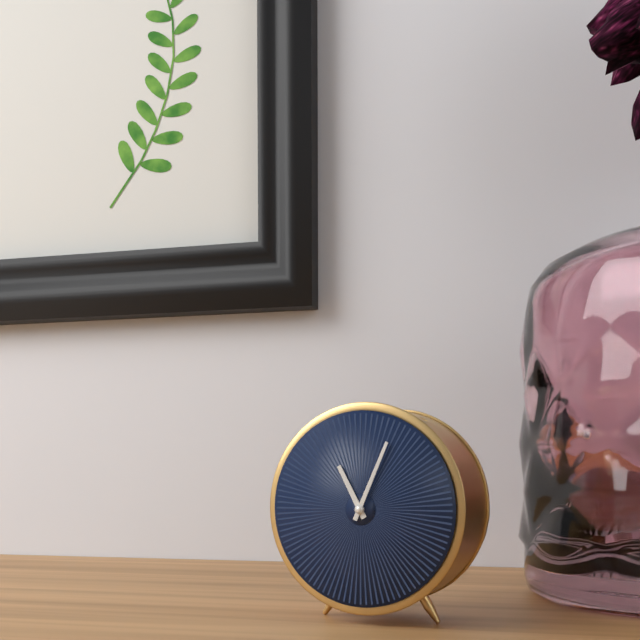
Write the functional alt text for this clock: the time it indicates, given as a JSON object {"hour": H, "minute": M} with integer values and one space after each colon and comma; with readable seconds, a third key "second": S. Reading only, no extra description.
{"hour": 11, "minute": 4}
